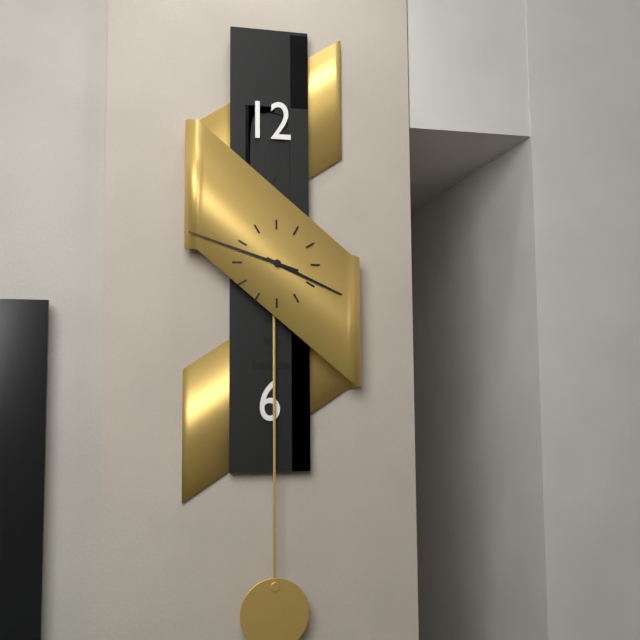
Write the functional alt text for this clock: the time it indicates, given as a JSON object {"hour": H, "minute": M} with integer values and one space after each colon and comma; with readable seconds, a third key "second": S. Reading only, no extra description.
{"hour": 3, "minute": 48}
